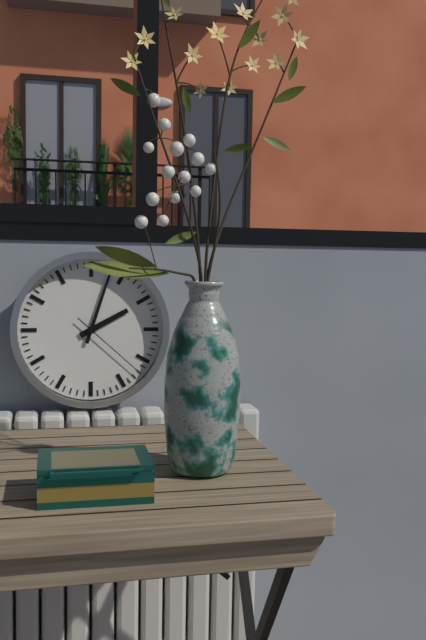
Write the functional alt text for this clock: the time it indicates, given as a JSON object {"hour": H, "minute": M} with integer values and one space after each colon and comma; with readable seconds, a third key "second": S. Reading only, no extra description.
{"hour": 2, "minute": 3, "second": 22}
